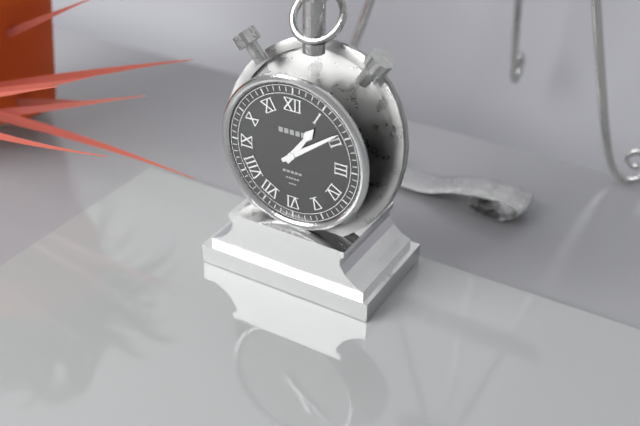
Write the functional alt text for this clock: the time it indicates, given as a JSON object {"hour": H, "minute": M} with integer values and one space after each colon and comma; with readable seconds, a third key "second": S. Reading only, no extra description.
{"hour": 1, "minute": 9}
